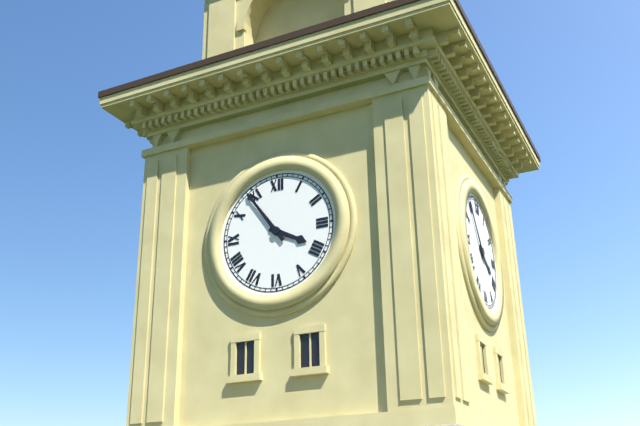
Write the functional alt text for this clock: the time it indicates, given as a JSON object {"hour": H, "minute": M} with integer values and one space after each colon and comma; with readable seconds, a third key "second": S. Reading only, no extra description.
{"hour": 3, "minute": 54}
